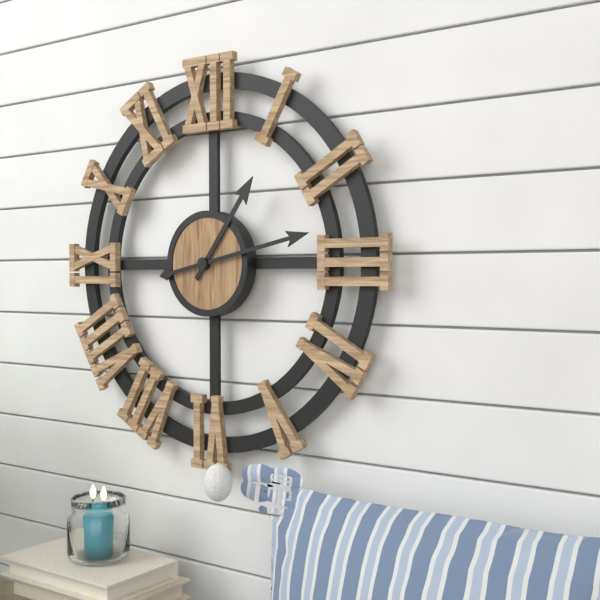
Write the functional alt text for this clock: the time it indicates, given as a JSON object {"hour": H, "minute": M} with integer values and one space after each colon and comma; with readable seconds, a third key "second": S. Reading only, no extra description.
{"hour": 1, "minute": 13}
